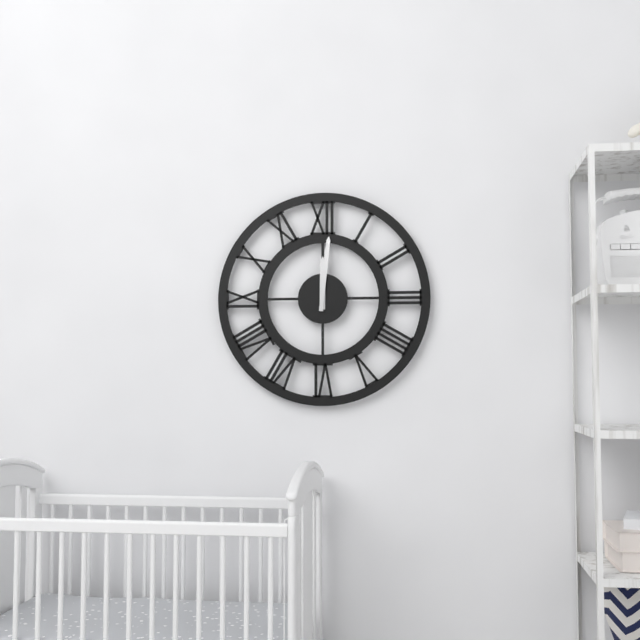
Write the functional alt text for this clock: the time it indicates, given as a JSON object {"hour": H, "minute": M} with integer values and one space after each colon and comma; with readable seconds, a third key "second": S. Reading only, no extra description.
{"hour": 12, "minute": 1}
